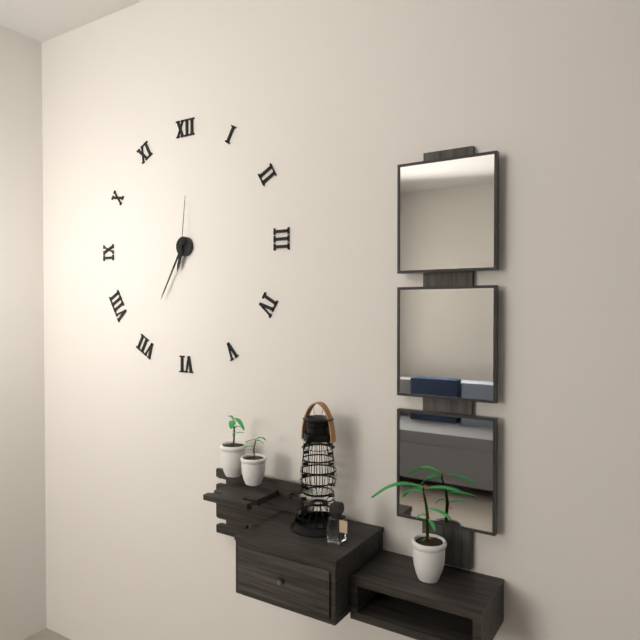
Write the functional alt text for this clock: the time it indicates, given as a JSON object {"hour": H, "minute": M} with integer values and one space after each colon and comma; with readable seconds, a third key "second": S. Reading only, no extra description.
{"hour": 6, "minute": 35, "second": 1}
